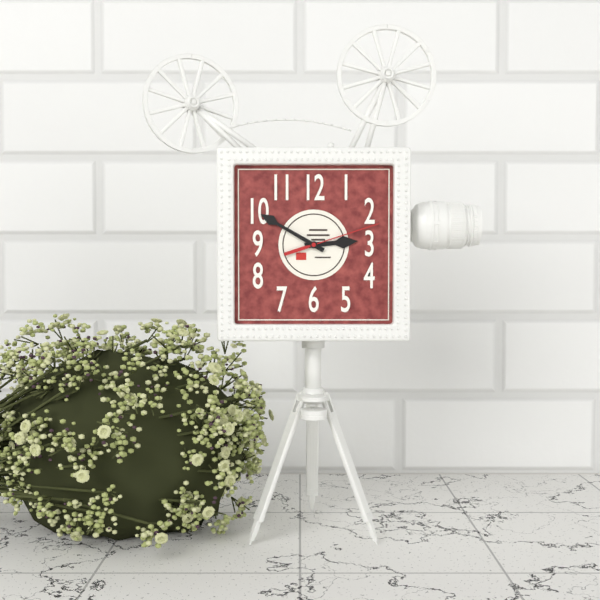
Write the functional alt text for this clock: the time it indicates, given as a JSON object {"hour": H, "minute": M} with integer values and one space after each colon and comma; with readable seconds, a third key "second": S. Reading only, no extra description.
{"hour": 2, "minute": 50, "second": 12}
